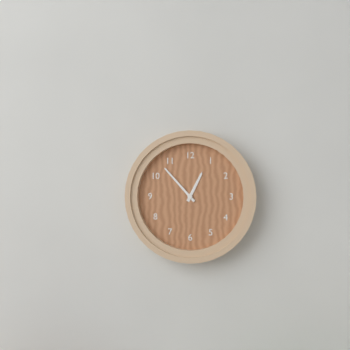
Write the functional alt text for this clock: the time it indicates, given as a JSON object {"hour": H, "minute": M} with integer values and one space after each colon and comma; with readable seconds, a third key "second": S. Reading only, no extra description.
{"hour": 12, "minute": 53}
